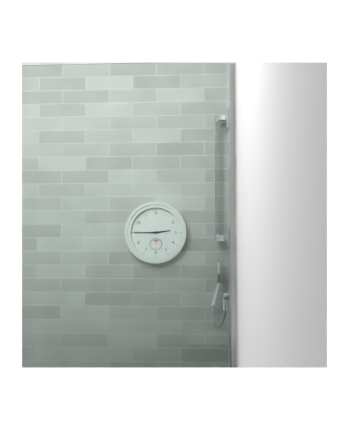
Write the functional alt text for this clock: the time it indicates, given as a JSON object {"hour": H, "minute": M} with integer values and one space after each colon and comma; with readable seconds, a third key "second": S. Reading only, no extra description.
{"hour": 2, "minute": 45}
